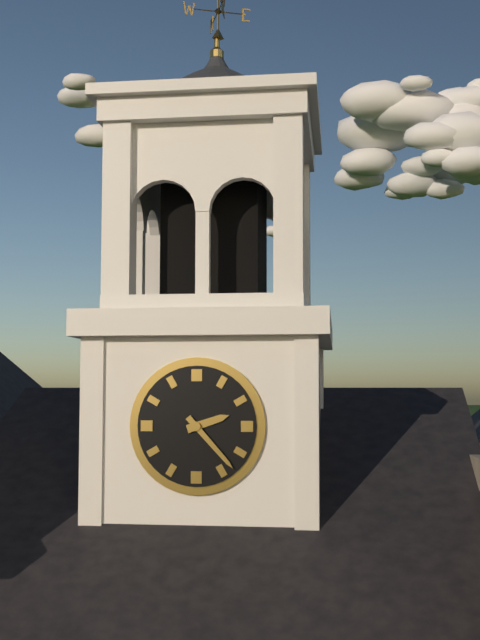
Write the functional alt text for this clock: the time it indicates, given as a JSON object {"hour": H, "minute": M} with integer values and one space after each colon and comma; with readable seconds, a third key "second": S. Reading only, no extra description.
{"hour": 2, "minute": 23}
